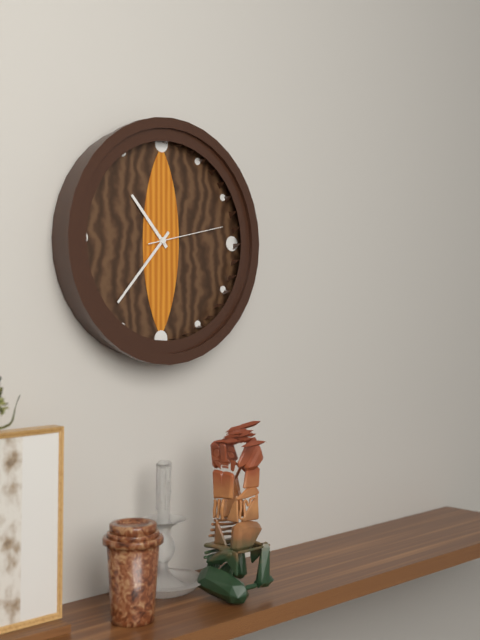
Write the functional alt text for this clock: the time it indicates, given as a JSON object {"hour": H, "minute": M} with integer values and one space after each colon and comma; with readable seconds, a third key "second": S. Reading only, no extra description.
{"hour": 10, "minute": 37, "second": 13}
